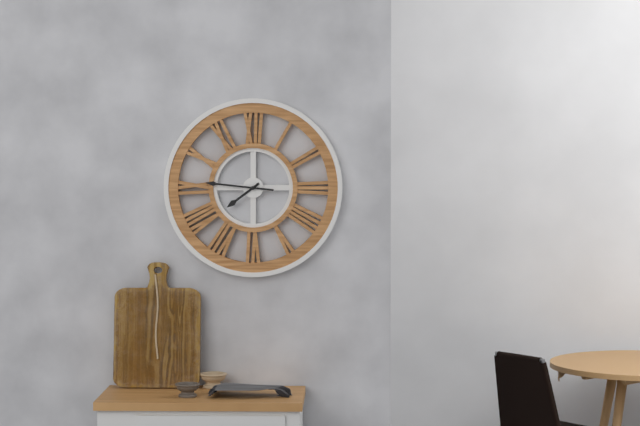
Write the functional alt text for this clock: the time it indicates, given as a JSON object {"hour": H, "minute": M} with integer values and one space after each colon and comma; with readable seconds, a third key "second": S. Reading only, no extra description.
{"hour": 7, "minute": 46}
